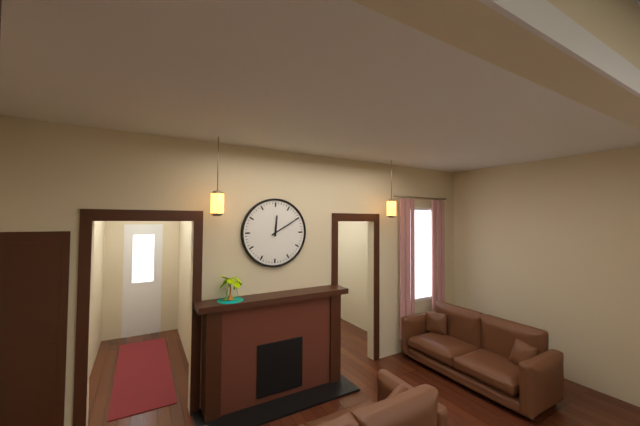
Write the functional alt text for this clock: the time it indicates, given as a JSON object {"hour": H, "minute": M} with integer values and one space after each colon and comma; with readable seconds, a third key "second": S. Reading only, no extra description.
{"hour": 12, "minute": 10}
